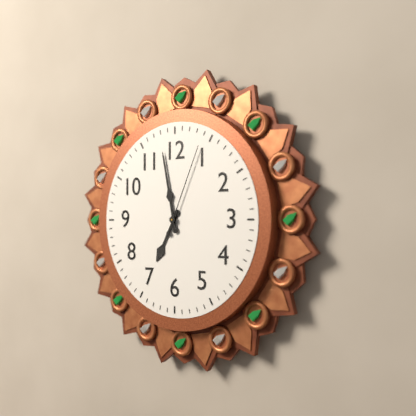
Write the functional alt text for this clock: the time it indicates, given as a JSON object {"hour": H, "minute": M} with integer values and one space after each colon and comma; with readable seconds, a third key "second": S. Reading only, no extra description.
{"hour": 6, "minute": 58, "second": 4}
